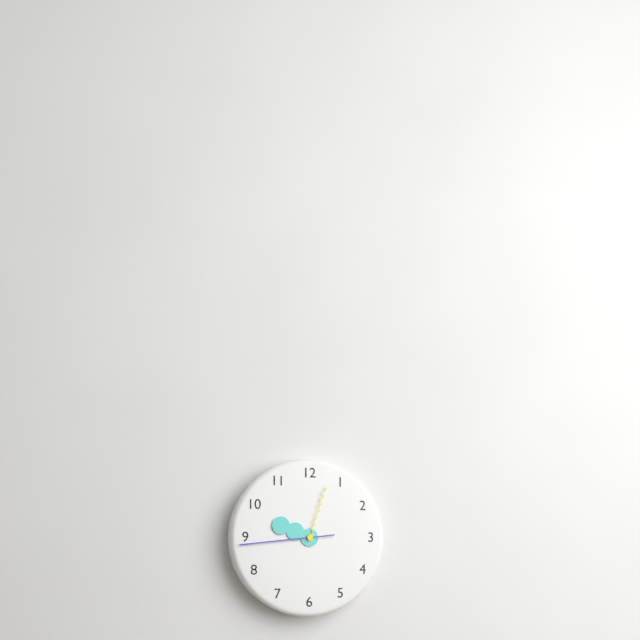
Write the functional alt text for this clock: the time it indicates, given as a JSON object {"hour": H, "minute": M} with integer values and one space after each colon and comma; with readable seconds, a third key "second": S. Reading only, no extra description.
{"hour": 9, "minute": 44, "second": 3}
